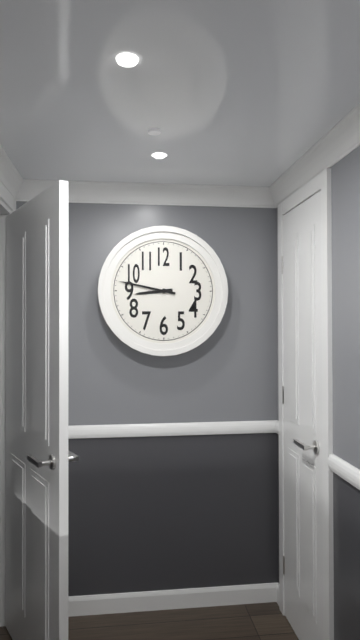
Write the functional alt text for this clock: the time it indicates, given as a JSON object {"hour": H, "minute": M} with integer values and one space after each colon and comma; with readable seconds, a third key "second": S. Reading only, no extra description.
{"hour": 8, "minute": 47}
